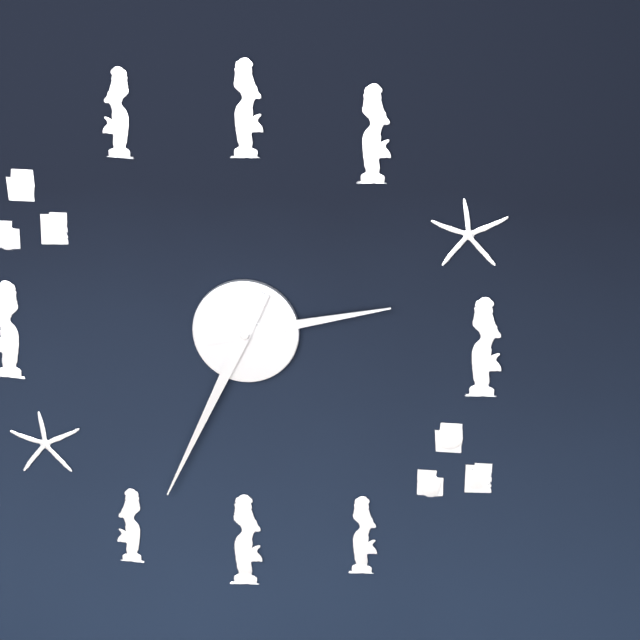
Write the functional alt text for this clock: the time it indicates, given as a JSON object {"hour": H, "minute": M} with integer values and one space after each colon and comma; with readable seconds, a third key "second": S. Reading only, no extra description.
{"hour": 2, "minute": 34}
